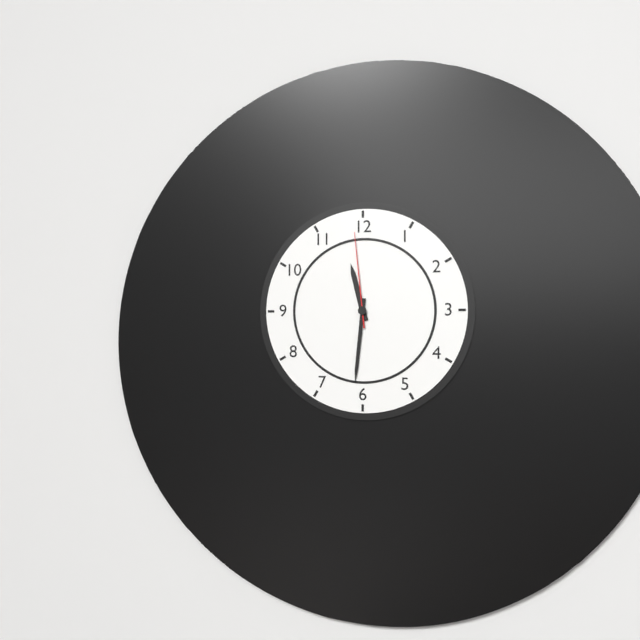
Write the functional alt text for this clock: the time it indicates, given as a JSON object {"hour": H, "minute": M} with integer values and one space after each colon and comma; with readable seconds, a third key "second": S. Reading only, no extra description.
{"hour": 11, "minute": 31, "second": 59}
